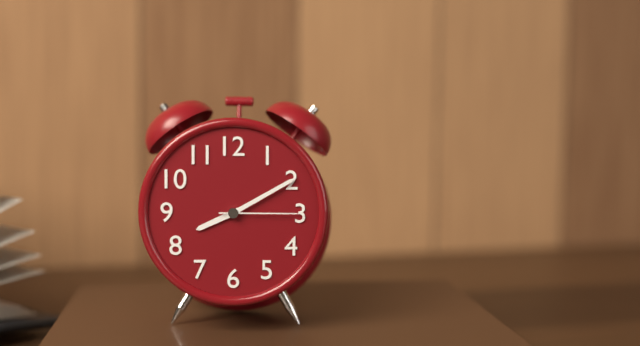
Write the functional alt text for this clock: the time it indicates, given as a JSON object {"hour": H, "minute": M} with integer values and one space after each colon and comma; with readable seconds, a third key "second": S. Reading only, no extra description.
{"hour": 8, "minute": 10, "second": 15}
